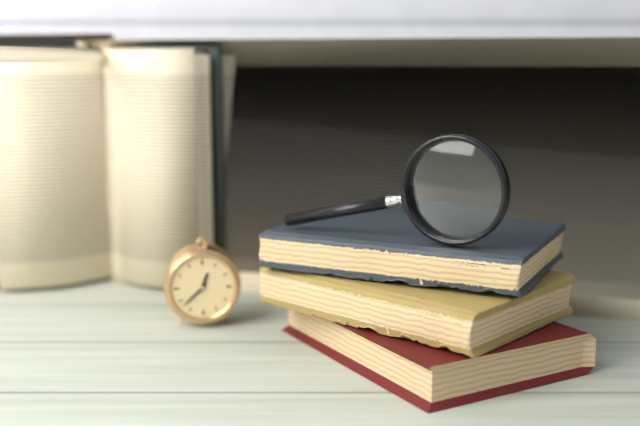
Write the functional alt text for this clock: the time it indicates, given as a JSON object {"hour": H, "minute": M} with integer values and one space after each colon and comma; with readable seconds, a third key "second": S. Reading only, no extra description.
{"hour": 12, "minute": 38}
